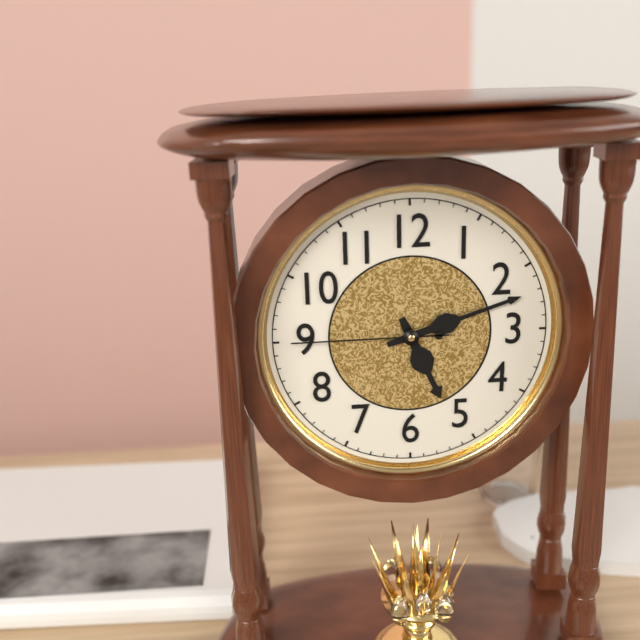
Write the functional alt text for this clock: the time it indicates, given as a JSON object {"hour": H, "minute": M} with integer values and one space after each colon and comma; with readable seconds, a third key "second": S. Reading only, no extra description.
{"hour": 5, "minute": 12, "second": 45}
